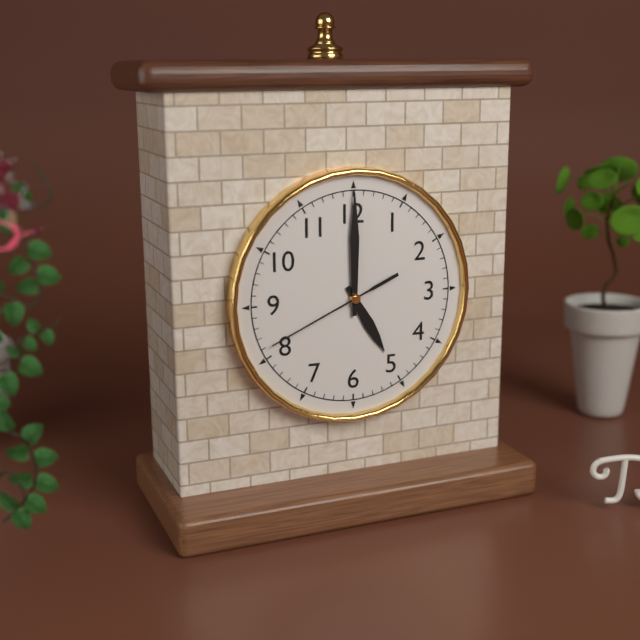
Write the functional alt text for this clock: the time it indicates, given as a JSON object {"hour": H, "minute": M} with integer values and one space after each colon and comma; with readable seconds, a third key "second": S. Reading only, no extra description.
{"hour": 5, "minute": 0, "second": 41}
